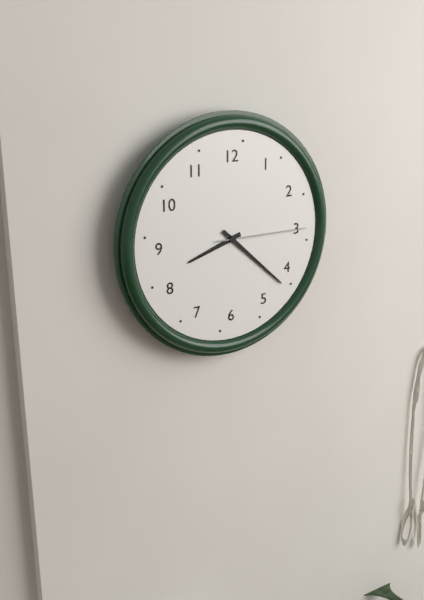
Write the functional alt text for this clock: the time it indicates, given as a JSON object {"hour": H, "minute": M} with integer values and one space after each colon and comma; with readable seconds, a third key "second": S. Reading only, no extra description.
{"hour": 8, "minute": 22, "second": 15}
